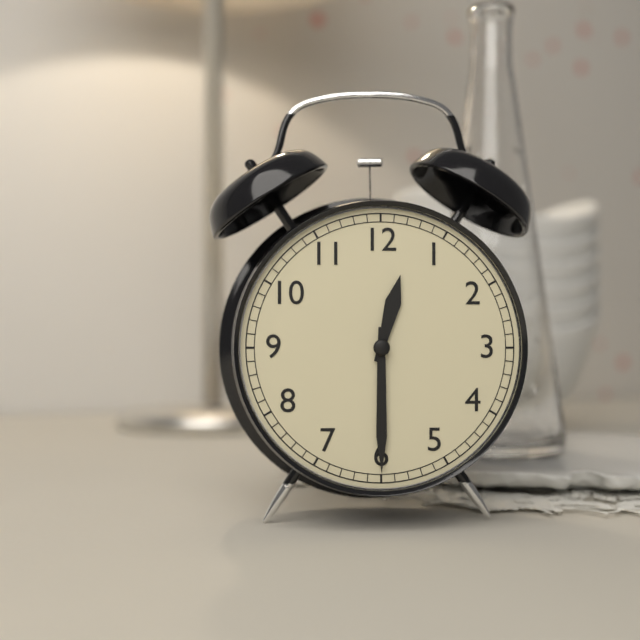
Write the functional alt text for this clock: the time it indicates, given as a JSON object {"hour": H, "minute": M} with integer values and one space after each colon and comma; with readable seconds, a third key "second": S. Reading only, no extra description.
{"hour": 12, "minute": 30}
